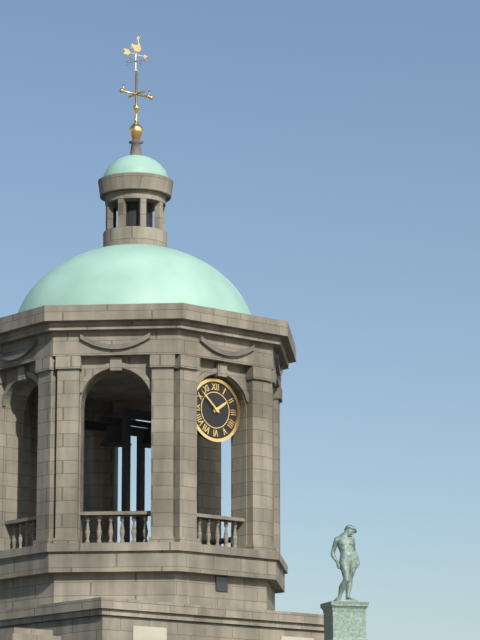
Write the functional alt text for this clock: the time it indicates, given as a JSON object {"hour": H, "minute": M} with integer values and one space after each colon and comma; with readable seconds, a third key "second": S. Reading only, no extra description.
{"hour": 1, "minute": 52}
